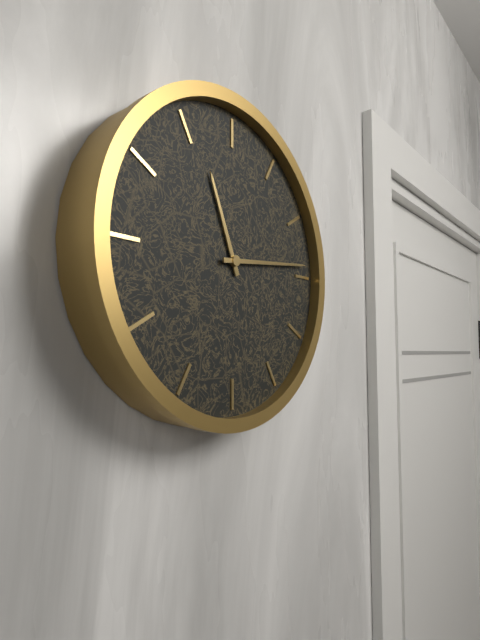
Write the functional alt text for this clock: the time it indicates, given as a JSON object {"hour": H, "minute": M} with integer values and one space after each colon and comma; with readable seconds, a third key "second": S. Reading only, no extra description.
{"hour": 11, "minute": 14}
